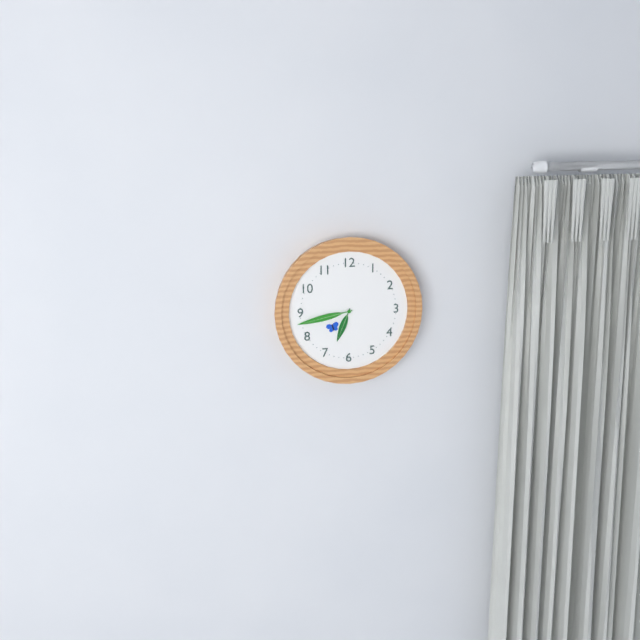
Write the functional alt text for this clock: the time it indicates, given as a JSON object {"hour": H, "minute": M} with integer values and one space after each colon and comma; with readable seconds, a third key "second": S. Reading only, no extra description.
{"hour": 6, "minute": 43}
